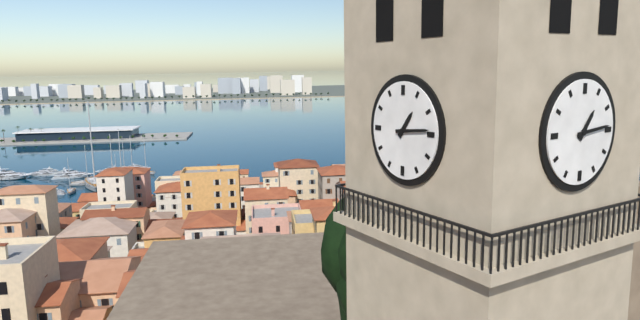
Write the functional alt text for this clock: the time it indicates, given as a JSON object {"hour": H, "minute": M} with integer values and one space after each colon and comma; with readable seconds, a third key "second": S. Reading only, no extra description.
{"hour": 1, "minute": 14}
